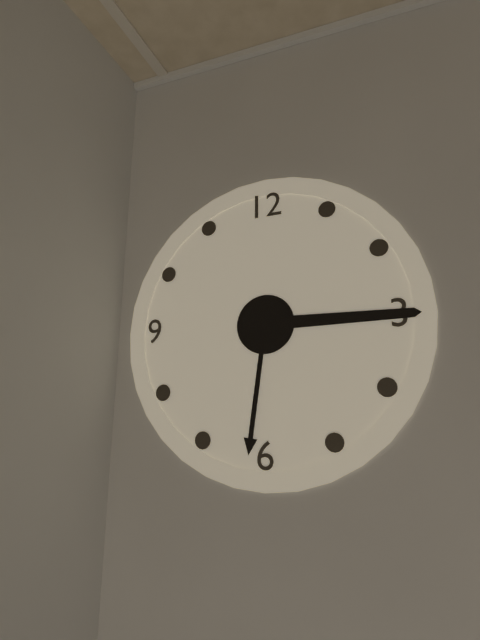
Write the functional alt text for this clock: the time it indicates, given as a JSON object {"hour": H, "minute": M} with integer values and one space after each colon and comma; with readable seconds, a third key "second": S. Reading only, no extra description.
{"hour": 6, "minute": 15}
